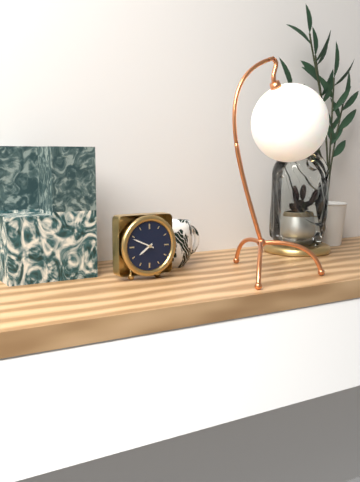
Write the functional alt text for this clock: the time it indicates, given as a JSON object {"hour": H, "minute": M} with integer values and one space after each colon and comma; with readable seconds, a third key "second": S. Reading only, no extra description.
{"hour": 7, "minute": 49}
